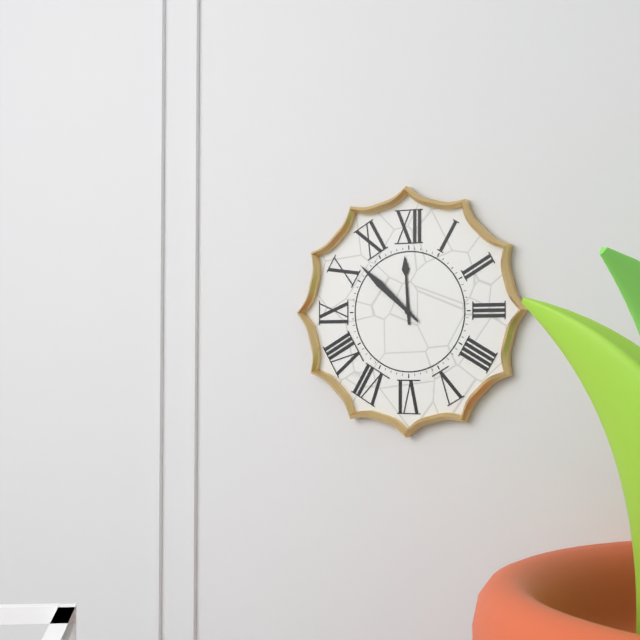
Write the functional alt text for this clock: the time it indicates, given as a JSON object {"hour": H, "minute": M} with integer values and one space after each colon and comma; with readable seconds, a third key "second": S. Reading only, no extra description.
{"hour": 11, "minute": 52}
